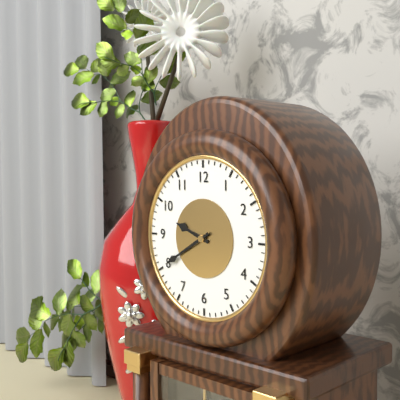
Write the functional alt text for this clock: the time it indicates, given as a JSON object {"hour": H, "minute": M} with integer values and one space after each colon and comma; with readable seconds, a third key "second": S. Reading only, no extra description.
{"hour": 9, "minute": 40}
